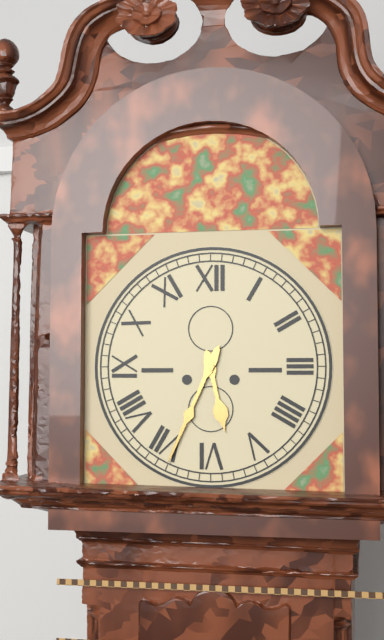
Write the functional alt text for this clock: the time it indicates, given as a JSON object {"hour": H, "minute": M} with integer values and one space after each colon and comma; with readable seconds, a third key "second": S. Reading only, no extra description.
{"hour": 5, "minute": 34}
